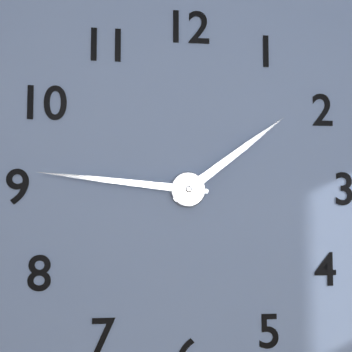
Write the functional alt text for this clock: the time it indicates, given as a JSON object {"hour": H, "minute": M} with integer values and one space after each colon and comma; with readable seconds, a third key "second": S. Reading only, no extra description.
{"hour": 1, "minute": 46}
